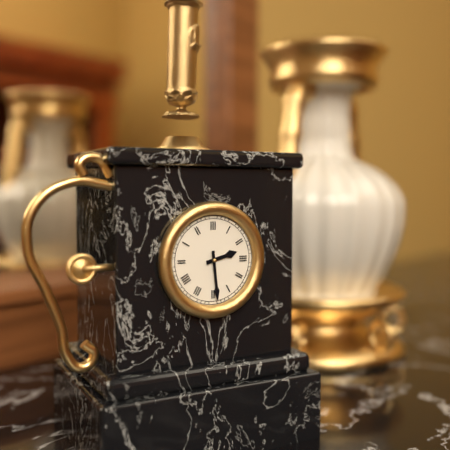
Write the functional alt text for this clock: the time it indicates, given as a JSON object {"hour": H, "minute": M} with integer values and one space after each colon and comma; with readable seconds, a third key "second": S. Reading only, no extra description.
{"hour": 2, "minute": 29}
